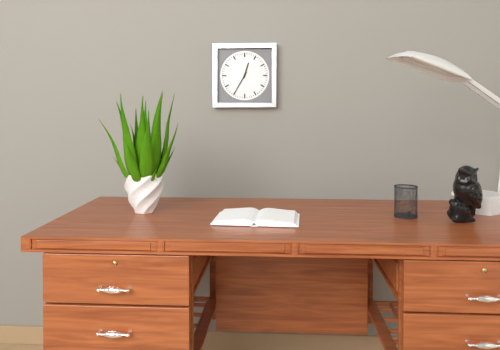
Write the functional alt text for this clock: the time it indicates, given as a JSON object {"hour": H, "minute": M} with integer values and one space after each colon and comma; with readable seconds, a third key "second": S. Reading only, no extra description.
{"hour": 12, "minute": 35}
